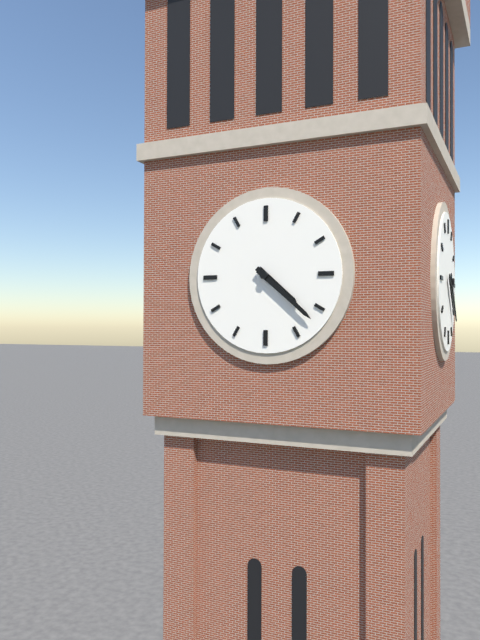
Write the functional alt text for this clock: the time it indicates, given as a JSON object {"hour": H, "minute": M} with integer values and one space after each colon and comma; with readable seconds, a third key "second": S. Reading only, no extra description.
{"hour": 4, "minute": 22}
